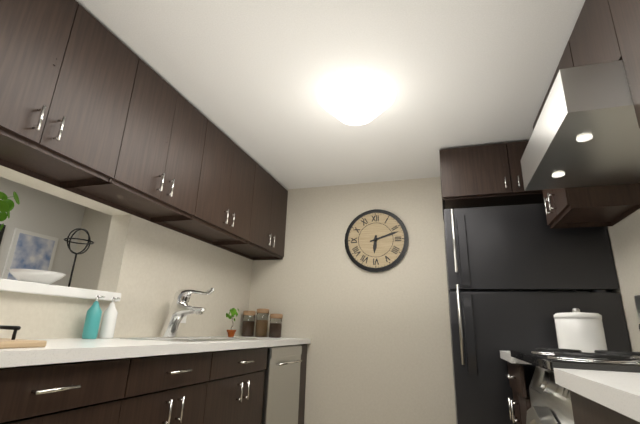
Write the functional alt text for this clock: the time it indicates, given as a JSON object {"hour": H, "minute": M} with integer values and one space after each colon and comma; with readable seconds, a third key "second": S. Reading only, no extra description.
{"hour": 6, "minute": 12}
